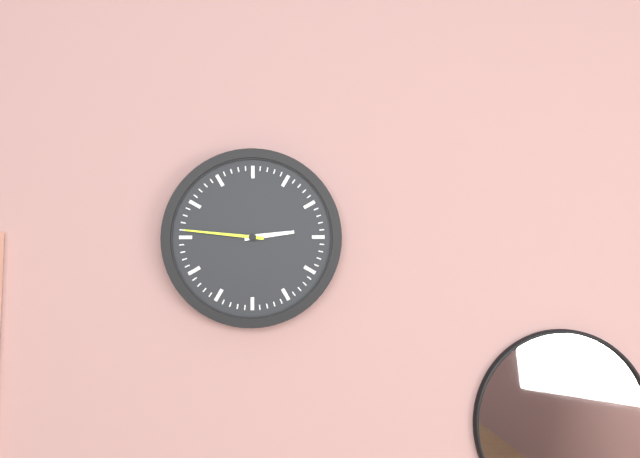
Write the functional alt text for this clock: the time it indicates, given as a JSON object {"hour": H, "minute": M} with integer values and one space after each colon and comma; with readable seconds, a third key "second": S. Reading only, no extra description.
{"hour": 2, "minute": 46}
